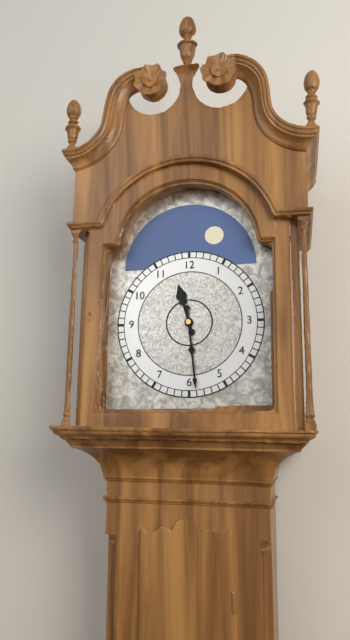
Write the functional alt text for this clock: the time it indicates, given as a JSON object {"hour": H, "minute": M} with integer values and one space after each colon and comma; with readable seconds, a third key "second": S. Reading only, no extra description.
{"hour": 11, "minute": 29}
